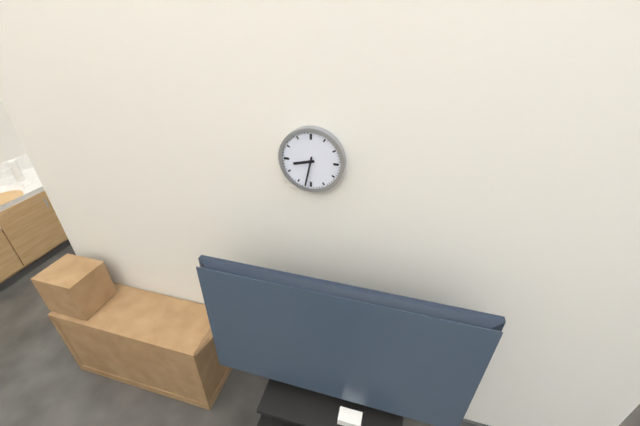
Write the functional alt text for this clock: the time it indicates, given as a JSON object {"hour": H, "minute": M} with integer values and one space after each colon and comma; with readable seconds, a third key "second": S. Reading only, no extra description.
{"hour": 8, "minute": 32}
